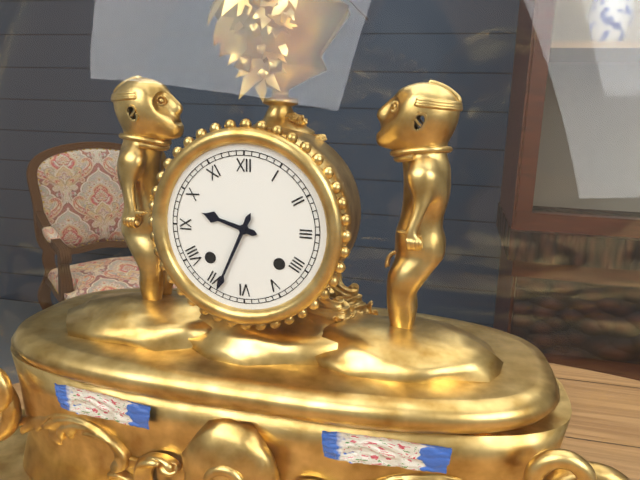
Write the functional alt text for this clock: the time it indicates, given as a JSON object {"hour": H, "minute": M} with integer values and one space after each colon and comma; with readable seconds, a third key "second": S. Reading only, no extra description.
{"hour": 9, "minute": 34}
